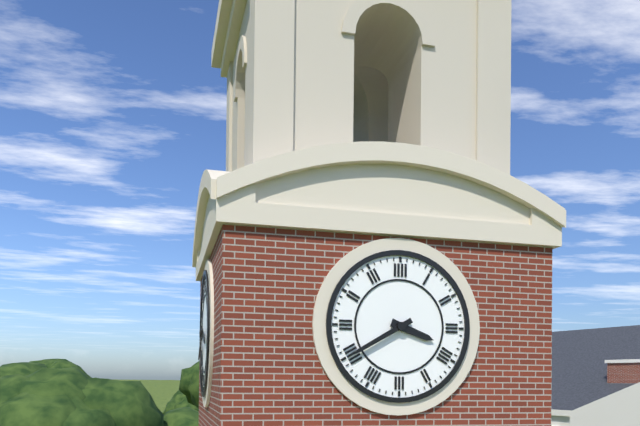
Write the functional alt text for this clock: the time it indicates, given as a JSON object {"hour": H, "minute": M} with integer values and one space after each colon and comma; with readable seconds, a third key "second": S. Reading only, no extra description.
{"hour": 3, "minute": 40}
